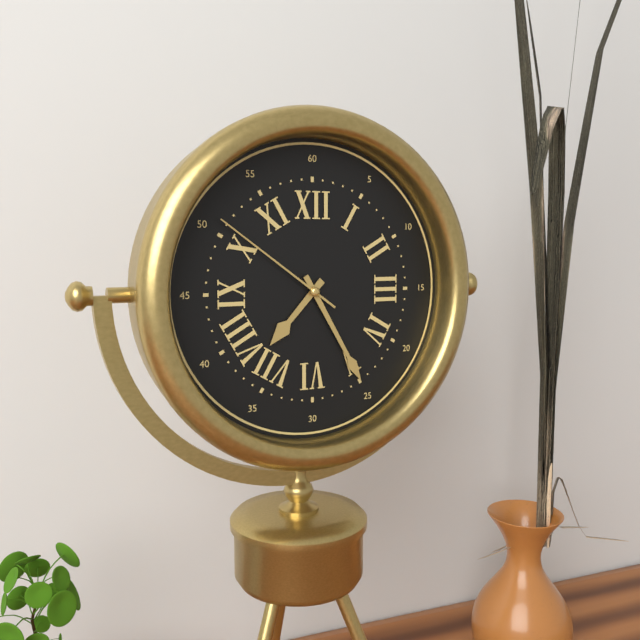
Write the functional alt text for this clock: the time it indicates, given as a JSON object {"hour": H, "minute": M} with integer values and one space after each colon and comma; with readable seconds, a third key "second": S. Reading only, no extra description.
{"hour": 7, "minute": 25, "second": 51}
